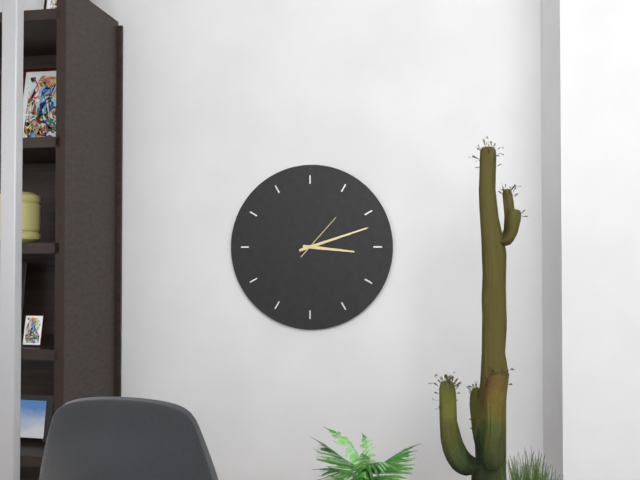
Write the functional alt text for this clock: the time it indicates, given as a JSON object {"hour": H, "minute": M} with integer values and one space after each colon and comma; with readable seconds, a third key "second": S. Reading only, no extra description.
{"hour": 3, "minute": 12}
